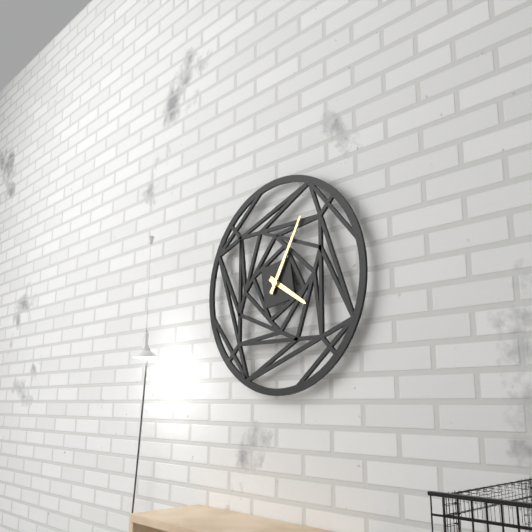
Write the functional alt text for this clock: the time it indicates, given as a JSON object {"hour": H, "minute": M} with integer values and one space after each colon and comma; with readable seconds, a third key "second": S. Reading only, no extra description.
{"hour": 4, "minute": 5}
